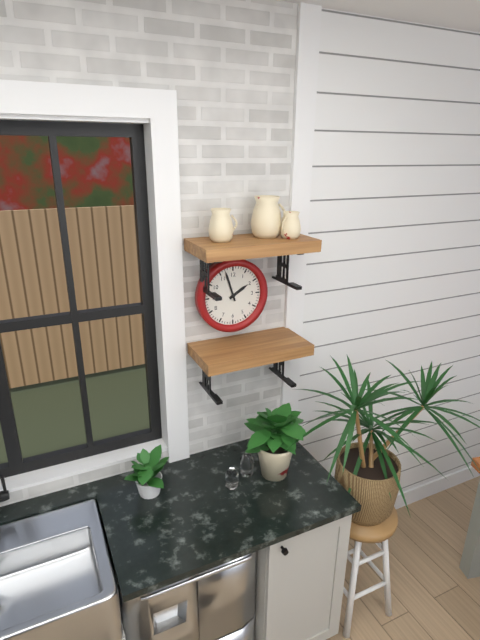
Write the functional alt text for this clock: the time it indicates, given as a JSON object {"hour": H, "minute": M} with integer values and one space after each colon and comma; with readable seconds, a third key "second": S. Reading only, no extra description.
{"hour": 1, "minute": 57}
